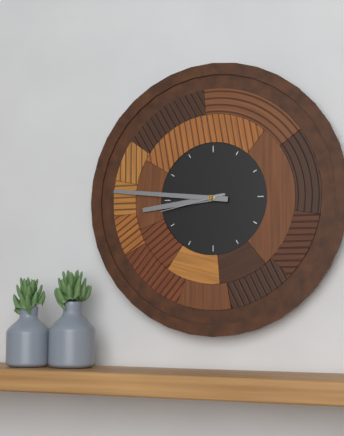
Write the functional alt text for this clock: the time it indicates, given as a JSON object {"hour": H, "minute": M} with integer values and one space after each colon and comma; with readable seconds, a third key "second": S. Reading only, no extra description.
{"hour": 8, "minute": 46, "second": 43}
